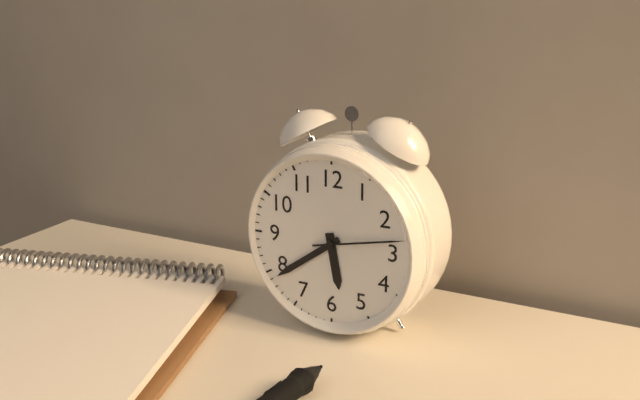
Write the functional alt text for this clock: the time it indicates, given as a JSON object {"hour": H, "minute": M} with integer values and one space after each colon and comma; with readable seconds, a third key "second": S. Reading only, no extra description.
{"hour": 5, "minute": 39, "second": 13}
